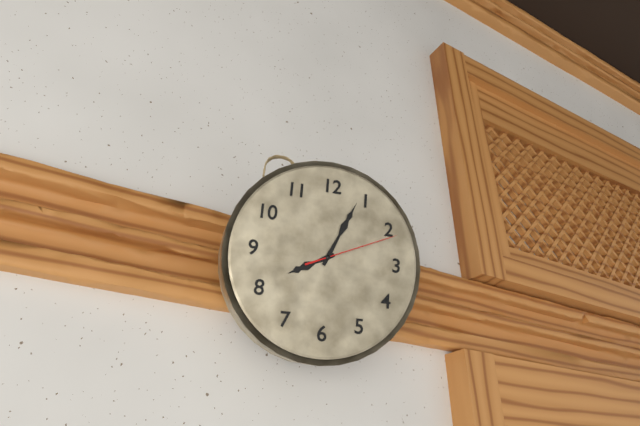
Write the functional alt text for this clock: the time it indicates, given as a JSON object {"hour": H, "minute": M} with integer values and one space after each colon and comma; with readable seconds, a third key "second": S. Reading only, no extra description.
{"hour": 8, "minute": 4, "second": 11}
